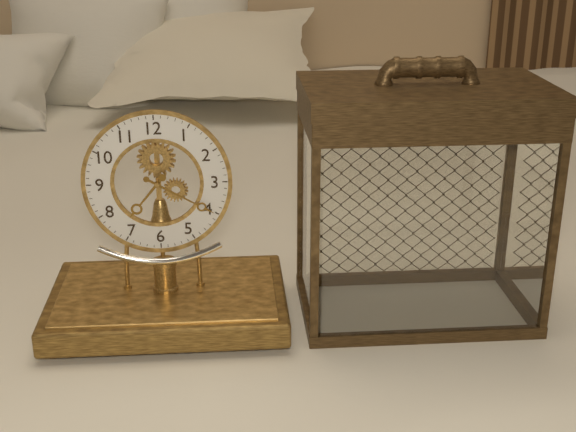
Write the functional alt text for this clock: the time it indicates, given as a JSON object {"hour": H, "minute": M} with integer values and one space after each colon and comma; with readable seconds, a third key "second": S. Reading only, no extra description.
{"hour": 7, "minute": 20}
